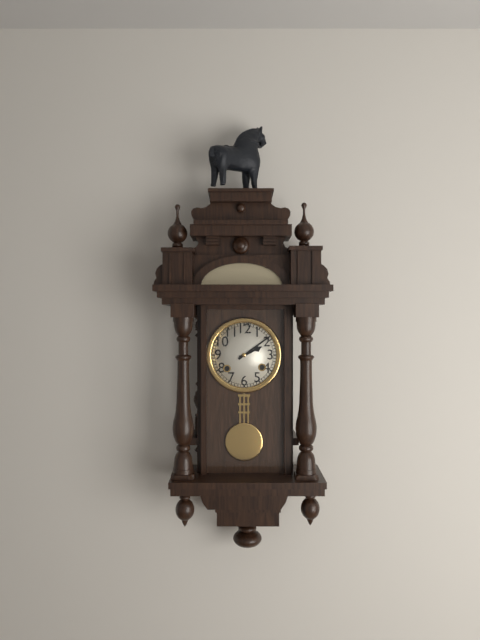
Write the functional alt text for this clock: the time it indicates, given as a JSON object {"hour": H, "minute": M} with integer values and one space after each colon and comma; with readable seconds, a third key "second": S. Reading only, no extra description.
{"hour": 2, "minute": 9}
